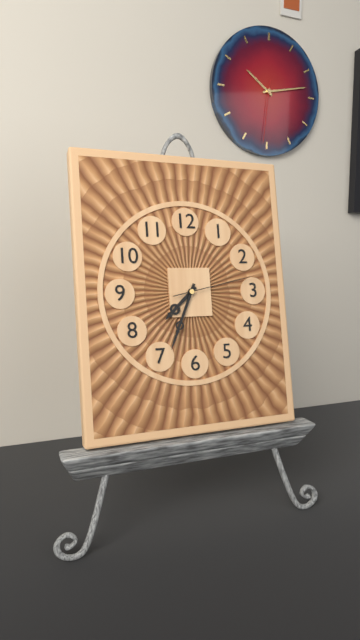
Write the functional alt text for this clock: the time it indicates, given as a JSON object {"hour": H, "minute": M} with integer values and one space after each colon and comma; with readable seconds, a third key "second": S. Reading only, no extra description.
{"hour": 7, "minute": 34, "second": 13}
